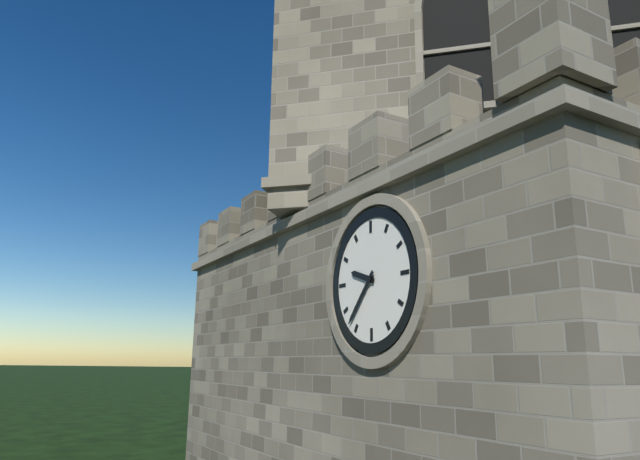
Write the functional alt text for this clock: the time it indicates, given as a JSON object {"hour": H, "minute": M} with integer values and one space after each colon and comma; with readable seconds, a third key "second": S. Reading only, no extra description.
{"hour": 9, "minute": 37}
